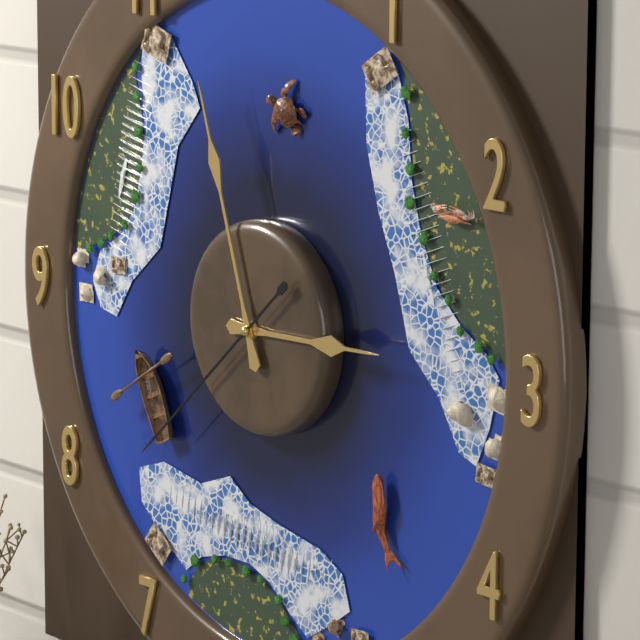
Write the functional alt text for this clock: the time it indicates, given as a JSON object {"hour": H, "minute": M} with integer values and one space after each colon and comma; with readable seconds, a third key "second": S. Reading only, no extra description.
{"hour": 2, "minute": 57, "second": 38}
